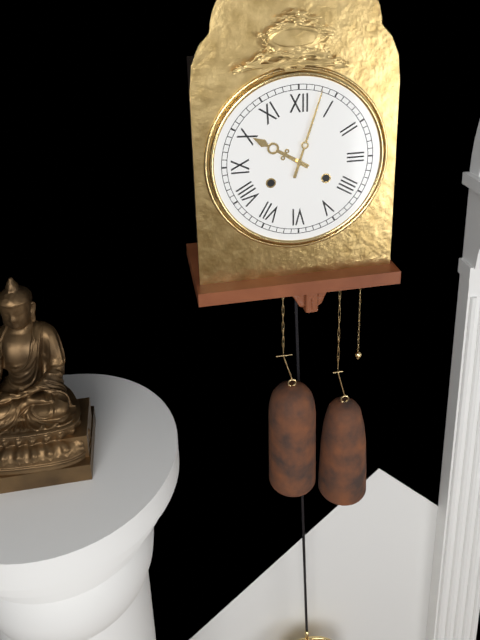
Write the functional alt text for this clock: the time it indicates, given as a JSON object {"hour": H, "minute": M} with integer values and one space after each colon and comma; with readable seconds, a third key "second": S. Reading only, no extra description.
{"hour": 10, "minute": 3}
